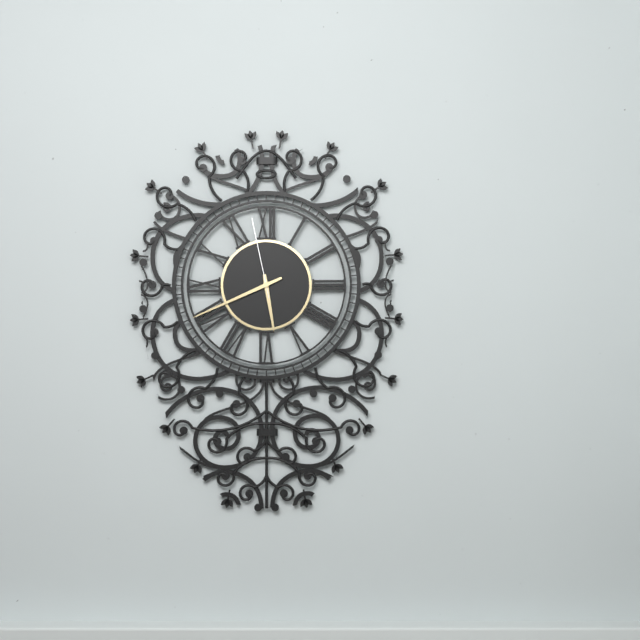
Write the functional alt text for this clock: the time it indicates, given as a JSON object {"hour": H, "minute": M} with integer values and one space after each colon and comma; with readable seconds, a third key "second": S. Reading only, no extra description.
{"hour": 5, "minute": 41, "second": 58}
